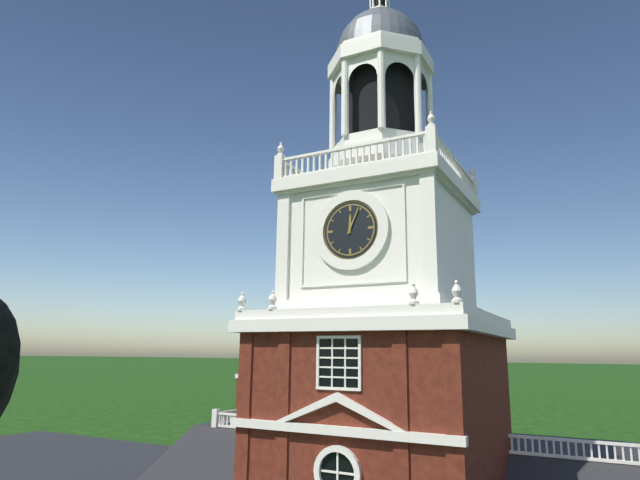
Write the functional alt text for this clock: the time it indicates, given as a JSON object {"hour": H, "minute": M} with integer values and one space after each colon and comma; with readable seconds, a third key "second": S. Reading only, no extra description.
{"hour": 12, "minute": 4}
